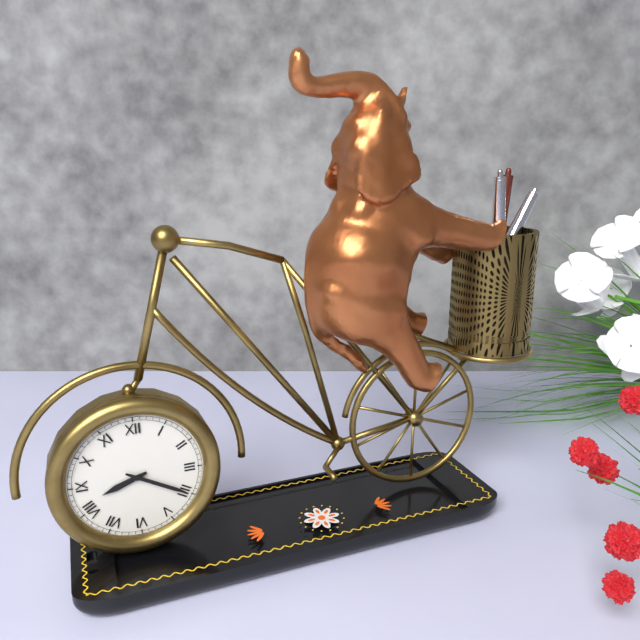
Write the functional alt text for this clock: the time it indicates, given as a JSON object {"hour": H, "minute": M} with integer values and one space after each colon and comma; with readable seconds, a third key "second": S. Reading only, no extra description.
{"hour": 8, "minute": 20}
